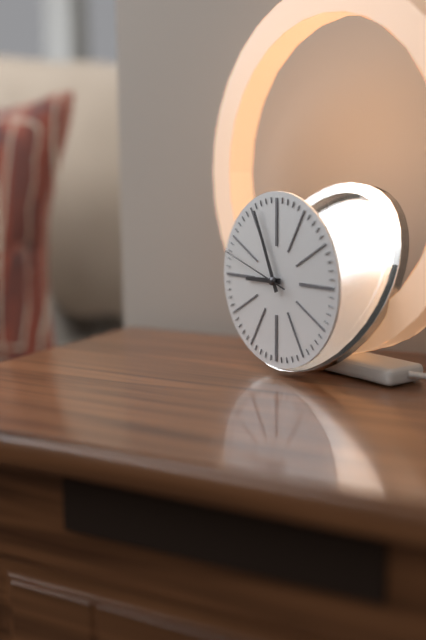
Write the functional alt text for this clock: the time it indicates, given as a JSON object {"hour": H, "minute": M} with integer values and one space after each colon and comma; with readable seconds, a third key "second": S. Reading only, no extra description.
{"hour": 8, "minute": 56, "second": 48}
